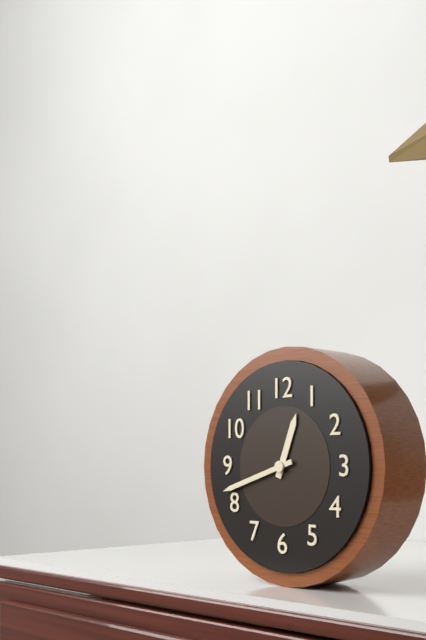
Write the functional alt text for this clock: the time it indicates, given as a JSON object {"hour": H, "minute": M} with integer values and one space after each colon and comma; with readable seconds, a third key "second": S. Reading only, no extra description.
{"hour": 12, "minute": 42}
